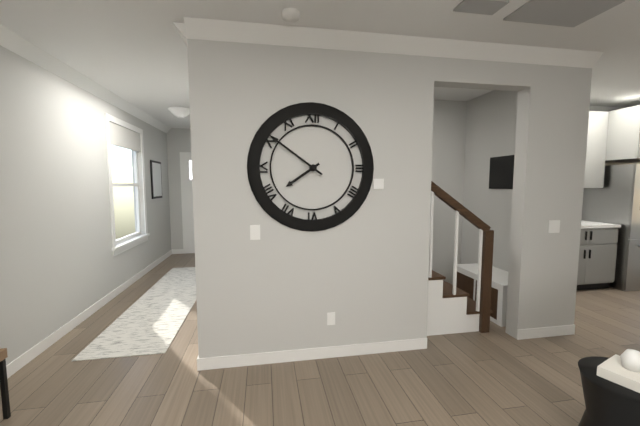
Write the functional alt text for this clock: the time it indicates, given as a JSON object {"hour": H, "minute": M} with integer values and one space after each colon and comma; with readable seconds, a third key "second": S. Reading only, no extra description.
{"hour": 7, "minute": 51}
